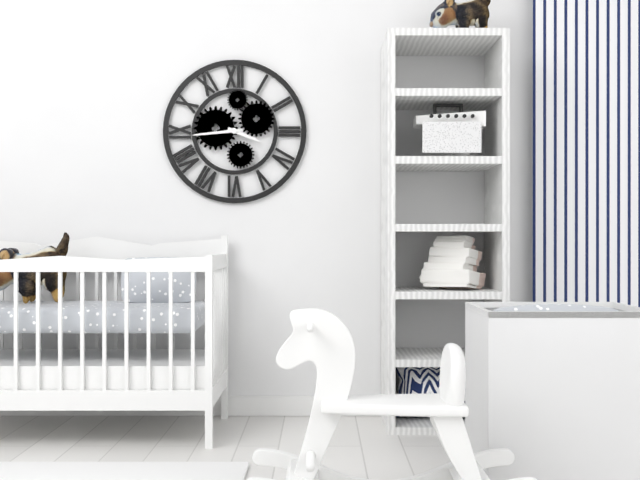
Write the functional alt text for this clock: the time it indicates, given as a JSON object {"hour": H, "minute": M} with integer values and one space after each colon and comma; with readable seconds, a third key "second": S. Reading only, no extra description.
{"hour": 3, "minute": 44}
